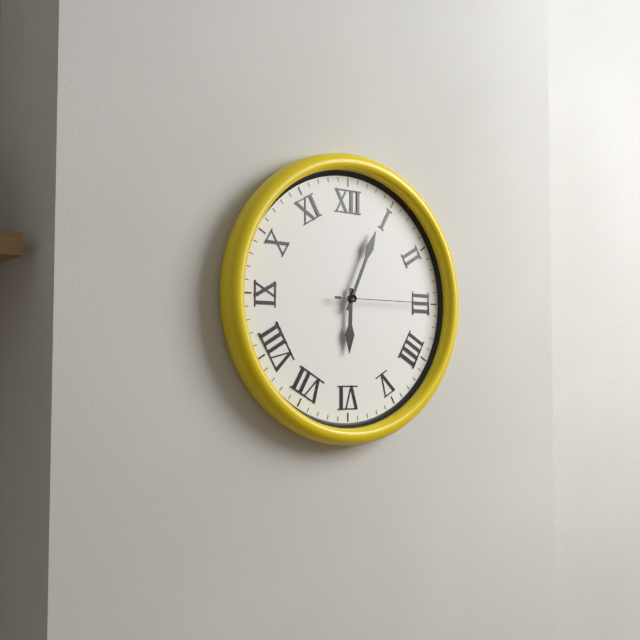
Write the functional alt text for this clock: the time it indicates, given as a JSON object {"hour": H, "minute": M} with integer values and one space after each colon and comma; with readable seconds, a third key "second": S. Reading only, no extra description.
{"hour": 6, "minute": 4, "second": 15}
